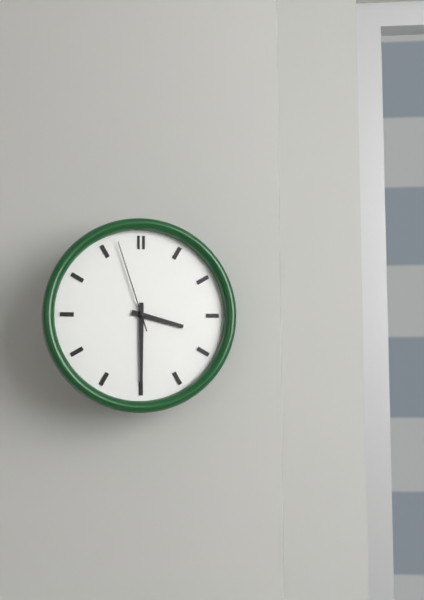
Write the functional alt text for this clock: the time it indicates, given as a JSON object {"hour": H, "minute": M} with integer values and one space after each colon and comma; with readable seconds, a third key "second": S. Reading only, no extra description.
{"hour": 3, "minute": 30, "second": 57}
